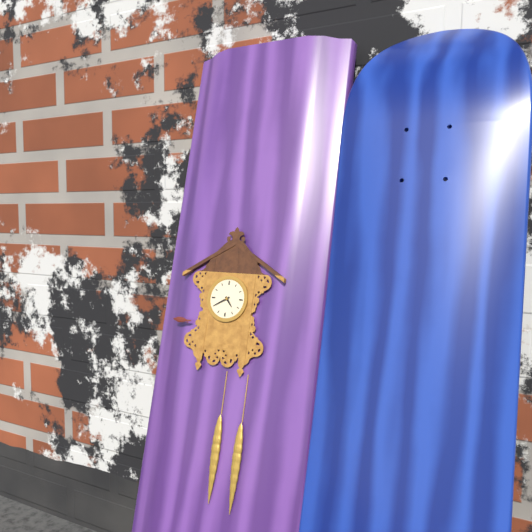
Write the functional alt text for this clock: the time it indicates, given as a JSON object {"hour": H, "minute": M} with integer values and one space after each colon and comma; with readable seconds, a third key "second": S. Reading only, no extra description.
{"hour": 4, "minute": 40}
